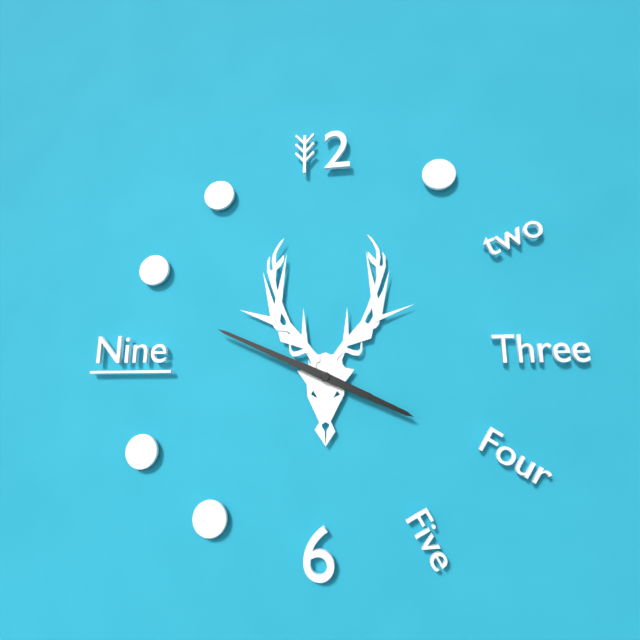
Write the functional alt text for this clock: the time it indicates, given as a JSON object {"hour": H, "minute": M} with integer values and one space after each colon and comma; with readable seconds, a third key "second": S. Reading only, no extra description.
{"hour": 3, "minute": 49}
